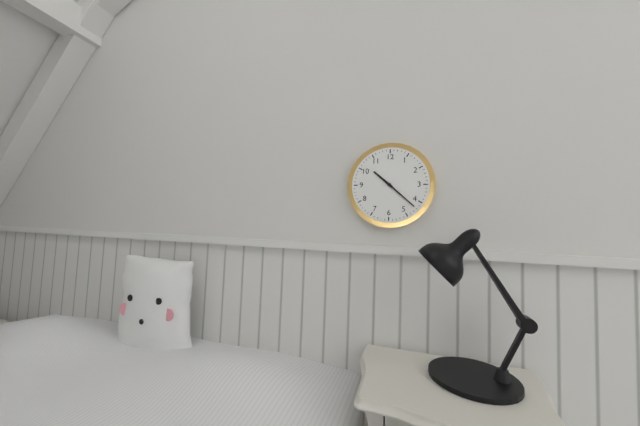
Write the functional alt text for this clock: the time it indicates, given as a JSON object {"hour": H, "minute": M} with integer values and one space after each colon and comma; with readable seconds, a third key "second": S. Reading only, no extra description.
{"hour": 10, "minute": 22}
